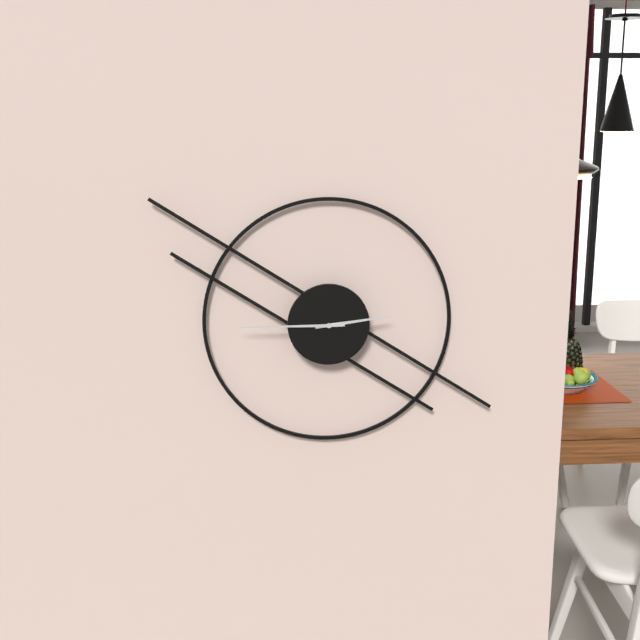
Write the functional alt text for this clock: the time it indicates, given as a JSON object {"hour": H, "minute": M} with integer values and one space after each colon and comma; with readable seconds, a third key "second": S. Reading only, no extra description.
{"hour": 2, "minute": 45}
